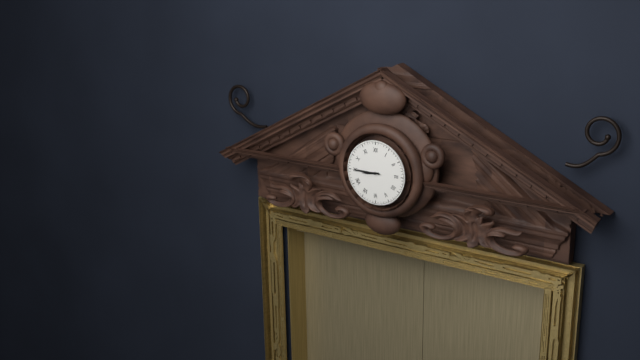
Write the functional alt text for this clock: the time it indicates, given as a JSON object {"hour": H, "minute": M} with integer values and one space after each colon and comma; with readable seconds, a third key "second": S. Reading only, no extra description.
{"hour": 8, "minute": 45}
